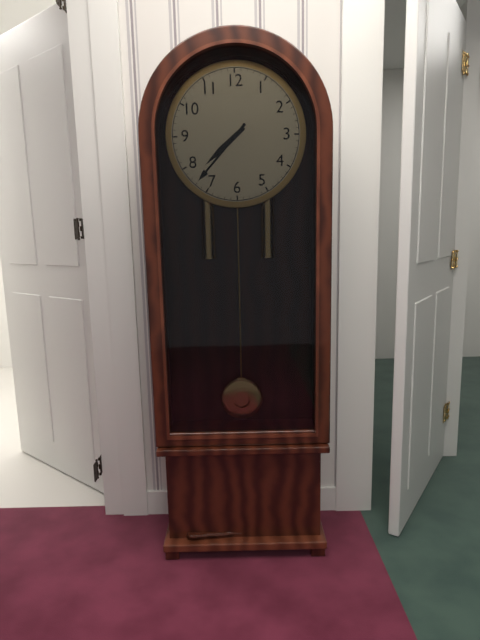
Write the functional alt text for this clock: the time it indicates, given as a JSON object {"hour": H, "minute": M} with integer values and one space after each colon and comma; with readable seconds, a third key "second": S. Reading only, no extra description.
{"hour": 7, "minute": 37}
